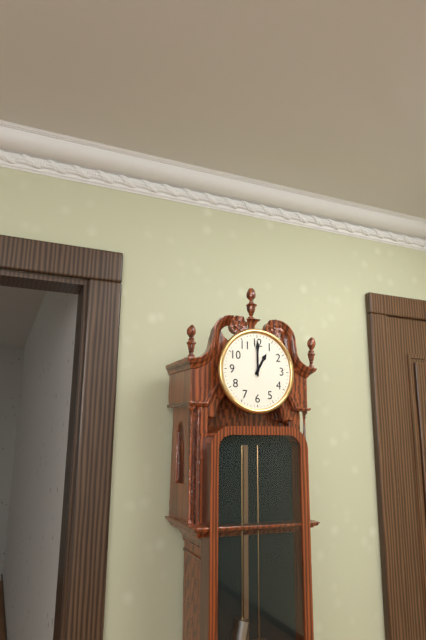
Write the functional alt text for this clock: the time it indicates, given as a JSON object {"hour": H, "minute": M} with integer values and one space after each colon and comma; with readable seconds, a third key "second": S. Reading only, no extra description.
{"hour": 1, "minute": 0}
